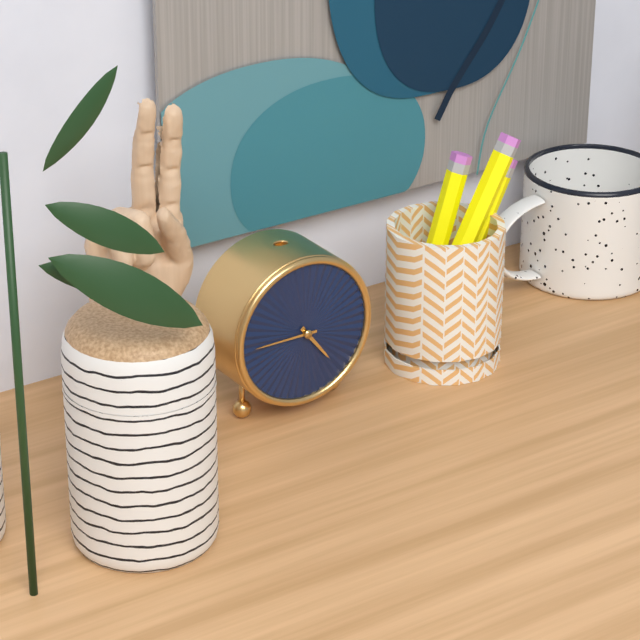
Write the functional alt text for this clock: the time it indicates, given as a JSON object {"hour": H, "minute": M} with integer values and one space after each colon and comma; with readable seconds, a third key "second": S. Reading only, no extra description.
{"hour": 4, "minute": 45}
